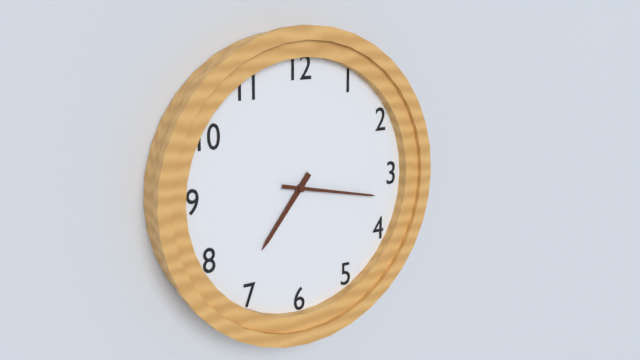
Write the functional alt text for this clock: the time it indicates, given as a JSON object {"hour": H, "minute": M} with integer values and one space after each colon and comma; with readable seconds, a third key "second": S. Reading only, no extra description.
{"hour": 7, "minute": 17}
